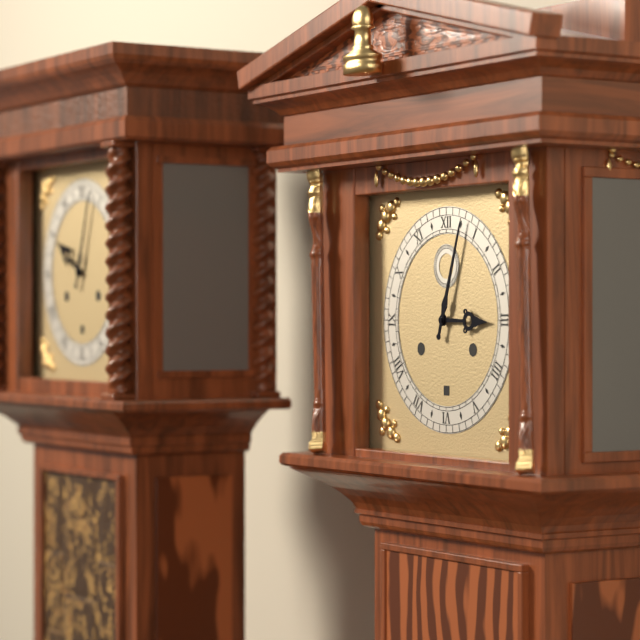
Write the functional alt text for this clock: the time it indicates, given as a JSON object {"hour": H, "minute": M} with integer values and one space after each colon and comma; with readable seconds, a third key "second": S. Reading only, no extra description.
{"hour": 3, "minute": 3}
